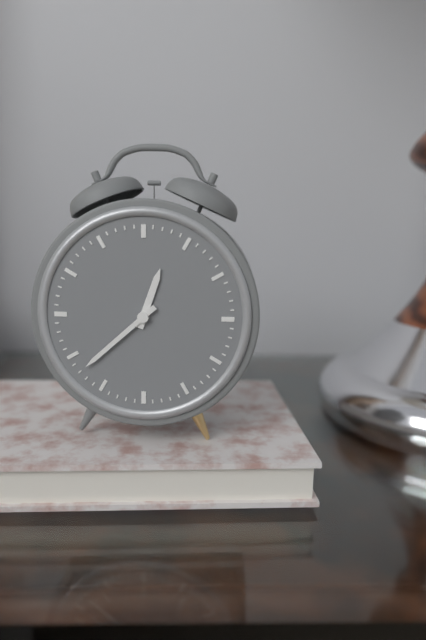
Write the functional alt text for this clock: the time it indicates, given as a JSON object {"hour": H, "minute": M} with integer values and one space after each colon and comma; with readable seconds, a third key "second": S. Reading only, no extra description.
{"hour": 12, "minute": 38}
